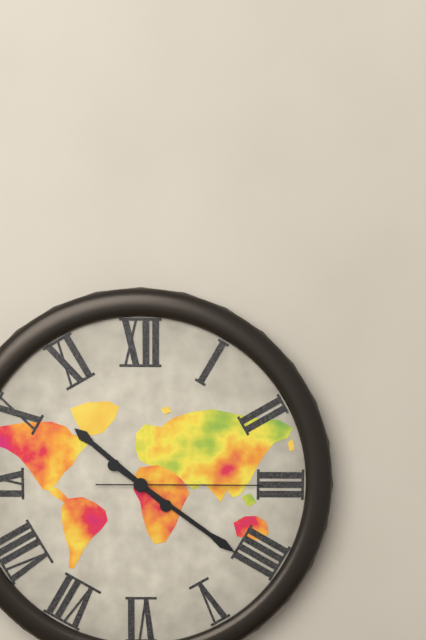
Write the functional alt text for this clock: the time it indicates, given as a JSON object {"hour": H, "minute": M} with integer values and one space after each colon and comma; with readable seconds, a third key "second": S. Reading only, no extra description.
{"hour": 10, "minute": 21, "second": 15}
